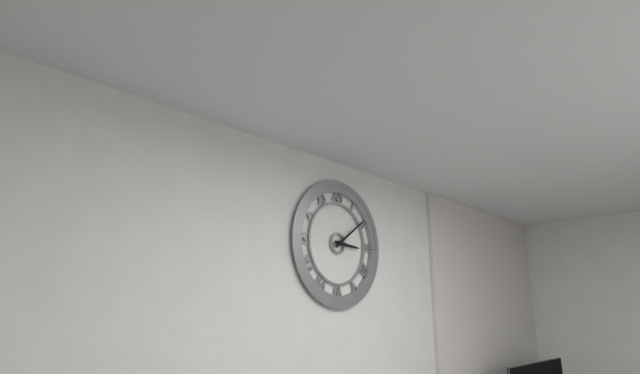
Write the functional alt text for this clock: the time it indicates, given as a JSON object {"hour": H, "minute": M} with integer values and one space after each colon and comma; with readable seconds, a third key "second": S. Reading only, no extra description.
{"hour": 3, "minute": 9}
